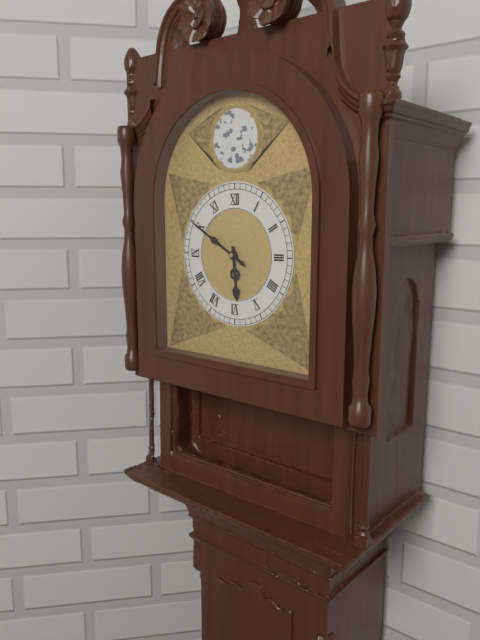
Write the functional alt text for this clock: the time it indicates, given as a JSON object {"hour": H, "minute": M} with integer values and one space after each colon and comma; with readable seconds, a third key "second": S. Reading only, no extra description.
{"hour": 5, "minute": 50}
